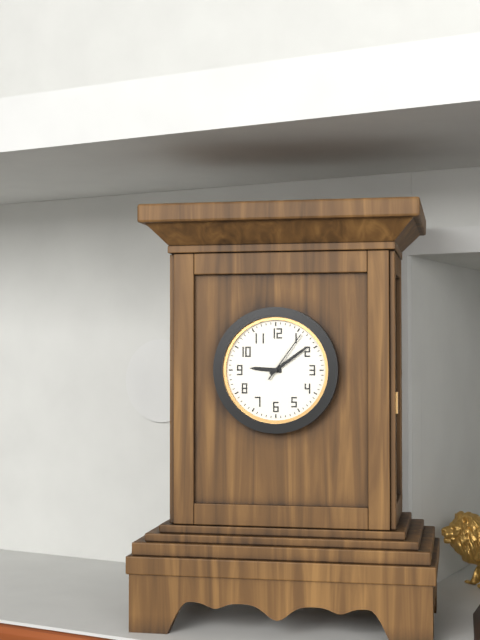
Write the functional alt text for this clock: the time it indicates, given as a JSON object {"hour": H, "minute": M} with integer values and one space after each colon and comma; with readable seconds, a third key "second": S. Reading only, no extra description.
{"hour": 9, "minute": 9}
